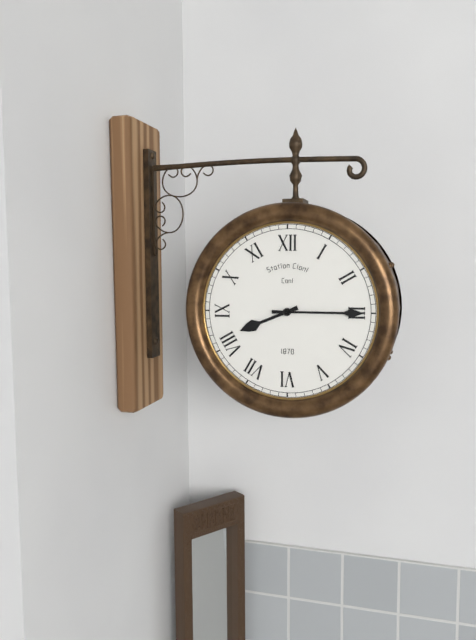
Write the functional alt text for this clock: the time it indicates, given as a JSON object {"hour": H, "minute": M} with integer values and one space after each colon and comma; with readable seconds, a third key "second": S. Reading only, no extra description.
{"hour": 8, "minute": 15}
